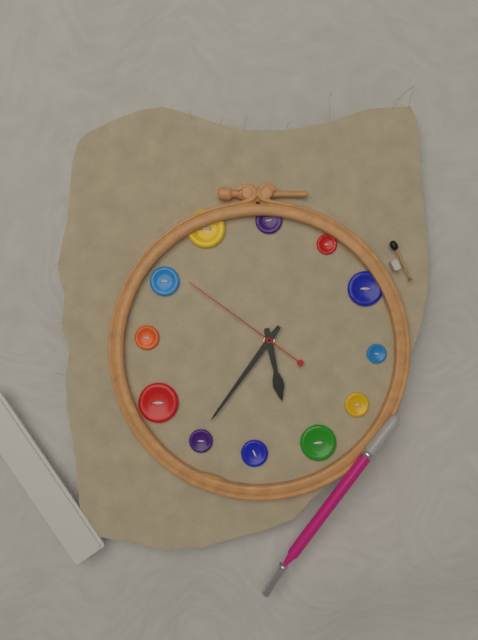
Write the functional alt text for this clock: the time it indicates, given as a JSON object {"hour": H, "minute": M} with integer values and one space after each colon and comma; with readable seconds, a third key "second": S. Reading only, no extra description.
{"hour": 5, "minute": 36, "second": 51}
